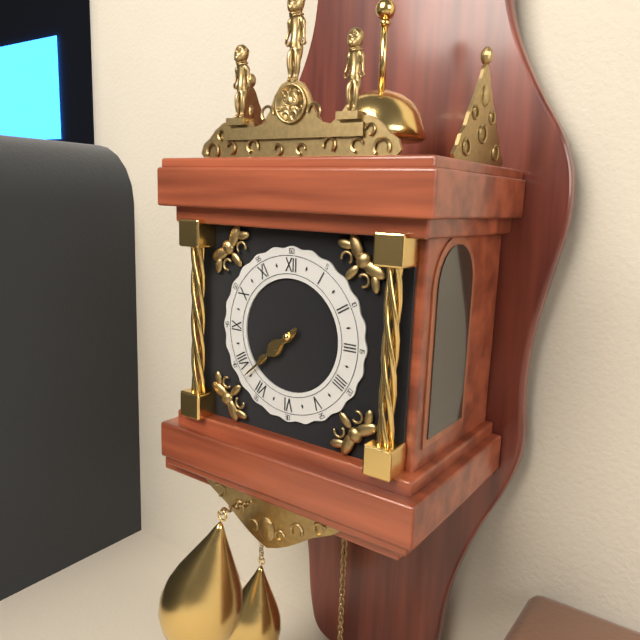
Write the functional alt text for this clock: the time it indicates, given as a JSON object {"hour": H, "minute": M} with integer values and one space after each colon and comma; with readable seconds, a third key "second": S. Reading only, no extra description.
{"hour": 7, "minute": 38}
